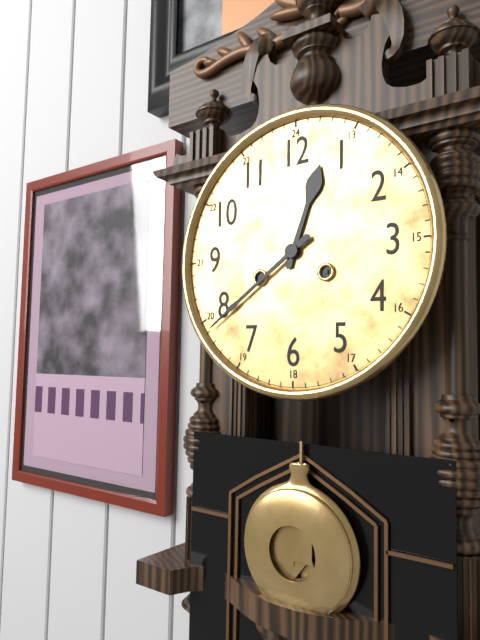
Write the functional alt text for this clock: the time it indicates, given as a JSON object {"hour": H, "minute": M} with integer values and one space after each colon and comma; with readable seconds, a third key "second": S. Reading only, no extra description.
{"hour": 12, "minute": 39}
